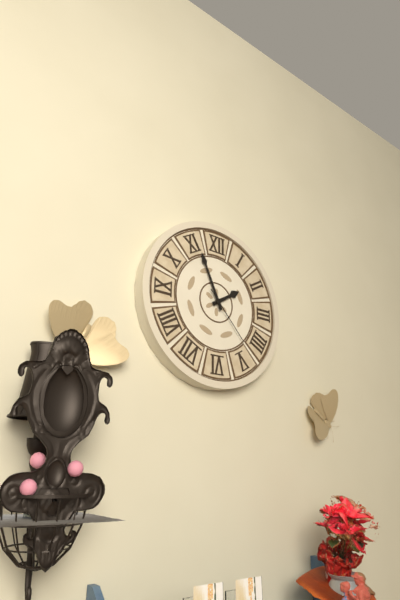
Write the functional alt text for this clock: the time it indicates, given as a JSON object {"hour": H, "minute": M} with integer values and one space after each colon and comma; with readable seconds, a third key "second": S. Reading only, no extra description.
{"hour": 1, "minute": 56, "second": 23}
